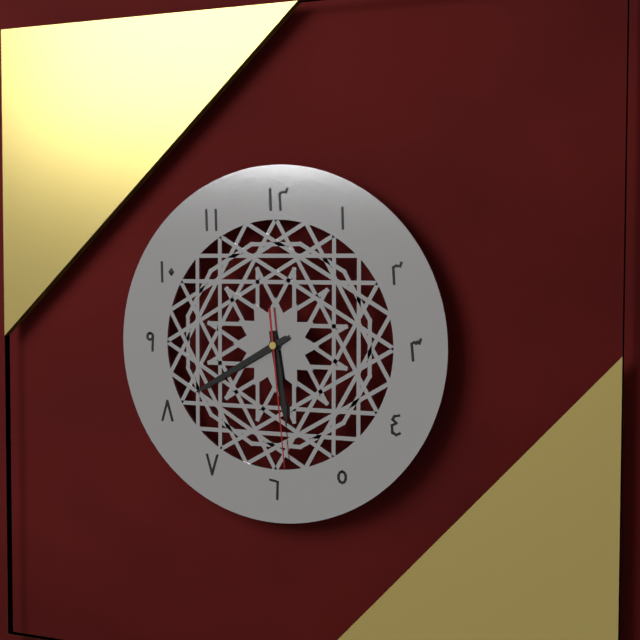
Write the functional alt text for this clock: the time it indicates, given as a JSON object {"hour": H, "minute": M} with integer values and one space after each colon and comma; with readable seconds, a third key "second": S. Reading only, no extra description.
{"hour": 5, "minute": 40, "second": 29}
